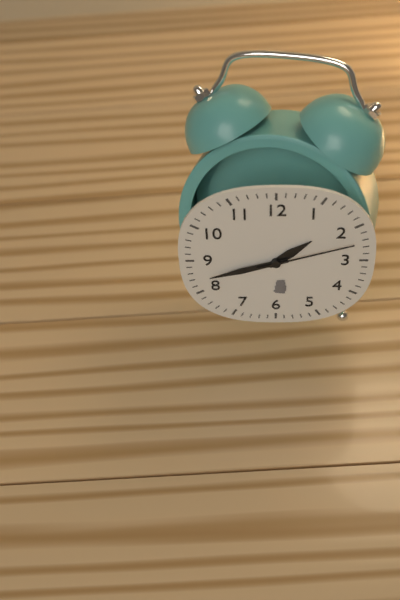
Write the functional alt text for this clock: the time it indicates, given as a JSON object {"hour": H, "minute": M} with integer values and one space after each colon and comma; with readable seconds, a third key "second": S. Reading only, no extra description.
{"hour": 1, "minute": 42, "second": 12}
